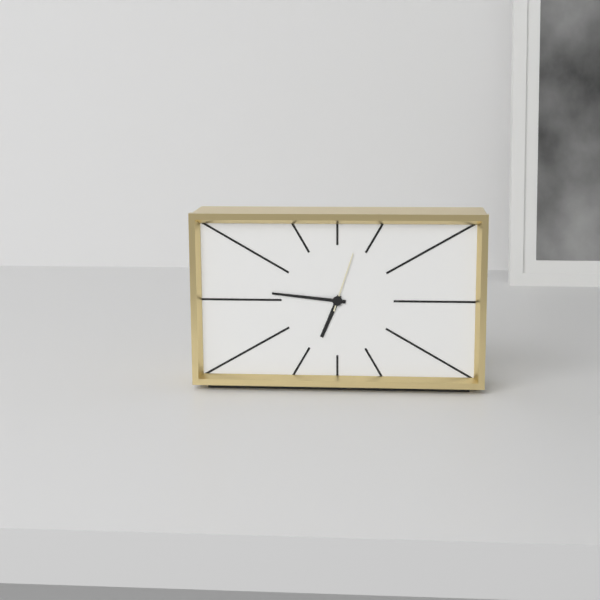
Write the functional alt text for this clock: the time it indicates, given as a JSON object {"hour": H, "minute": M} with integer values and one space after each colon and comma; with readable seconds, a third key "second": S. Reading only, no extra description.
{"hour": 6, "minute": 46, "second": 3}
